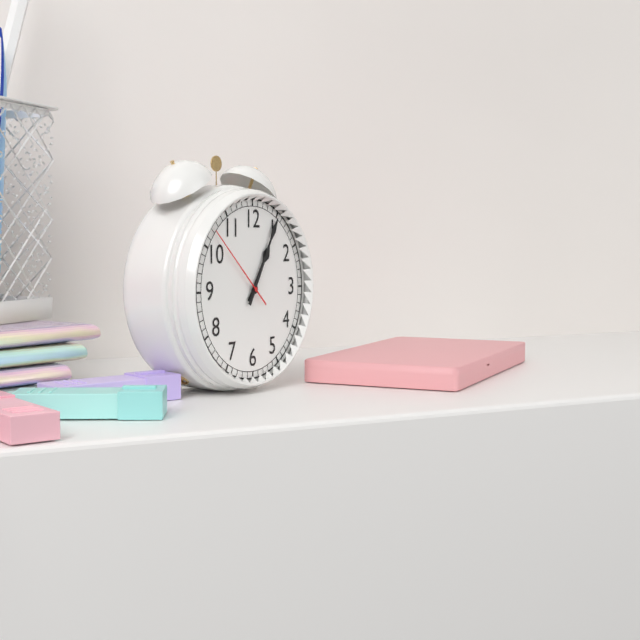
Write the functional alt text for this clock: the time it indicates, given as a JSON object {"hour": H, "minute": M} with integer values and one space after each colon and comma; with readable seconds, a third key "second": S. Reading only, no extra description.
{"hour": 1, "minute": 5, "second": 52}
